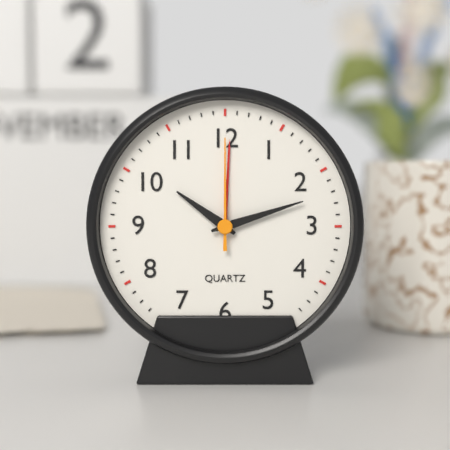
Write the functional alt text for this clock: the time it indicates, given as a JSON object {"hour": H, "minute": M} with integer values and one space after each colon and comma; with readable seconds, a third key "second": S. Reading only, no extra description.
{"hour": 10, "minute": 12, "second": 0}
